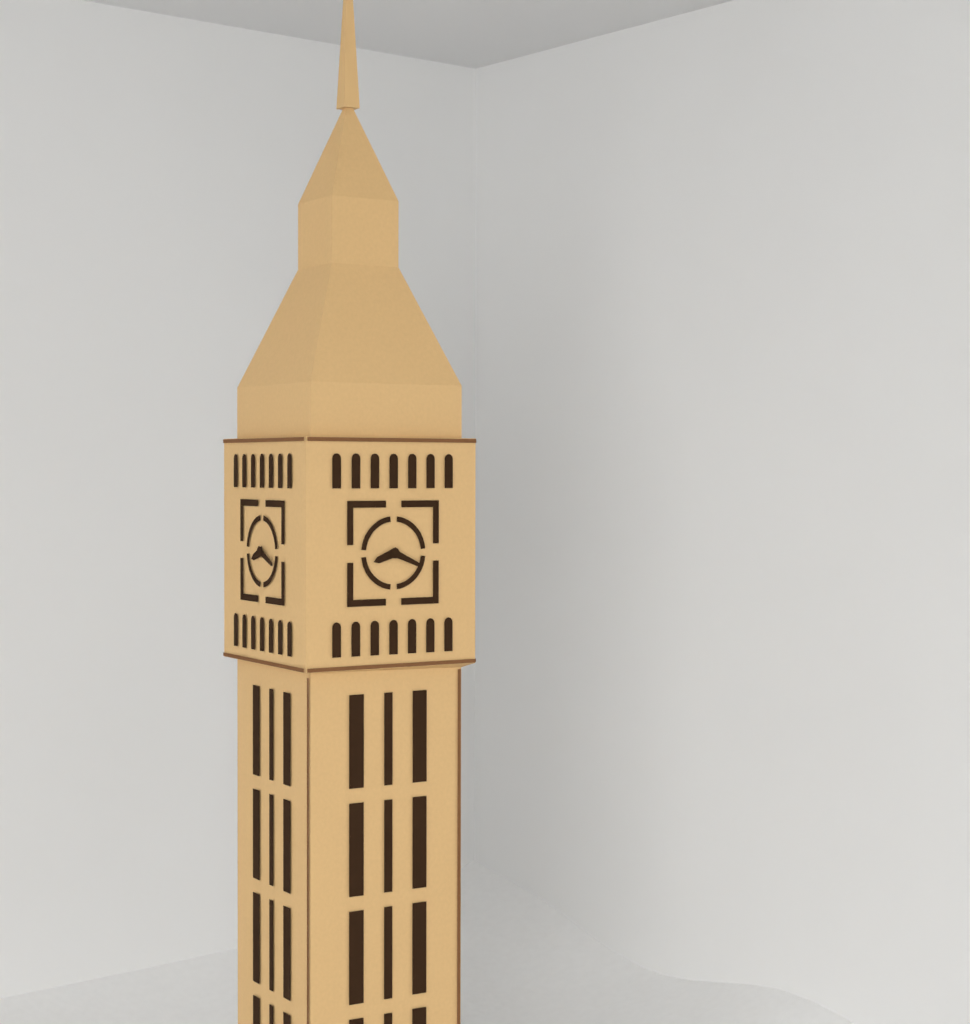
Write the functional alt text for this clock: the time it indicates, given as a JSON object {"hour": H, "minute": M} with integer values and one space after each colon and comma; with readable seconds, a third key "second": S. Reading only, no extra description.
{"hour": 8, "minute": 19}
